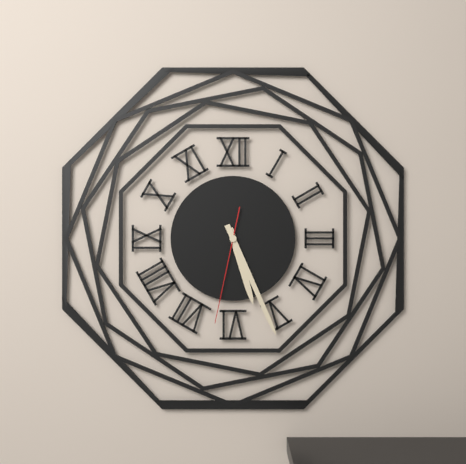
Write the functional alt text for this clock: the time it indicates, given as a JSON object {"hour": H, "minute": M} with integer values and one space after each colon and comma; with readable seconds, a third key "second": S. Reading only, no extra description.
{"hour": 5, "minute": 26, "second": 32}
